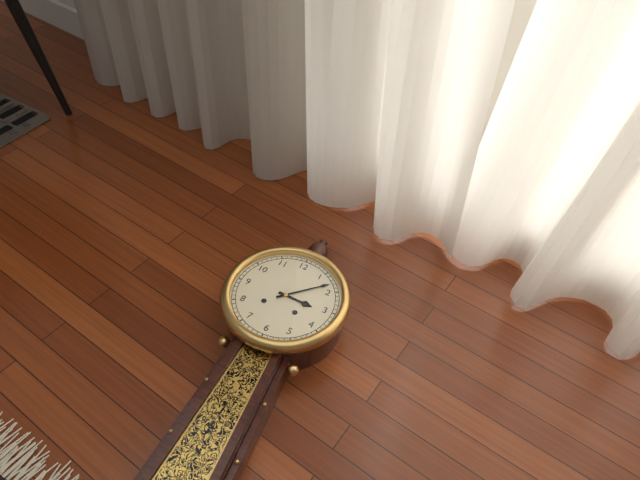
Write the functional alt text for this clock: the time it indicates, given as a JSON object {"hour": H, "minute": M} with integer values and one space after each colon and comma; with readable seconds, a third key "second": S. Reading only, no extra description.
{"hour": 3, "minute": 8}
